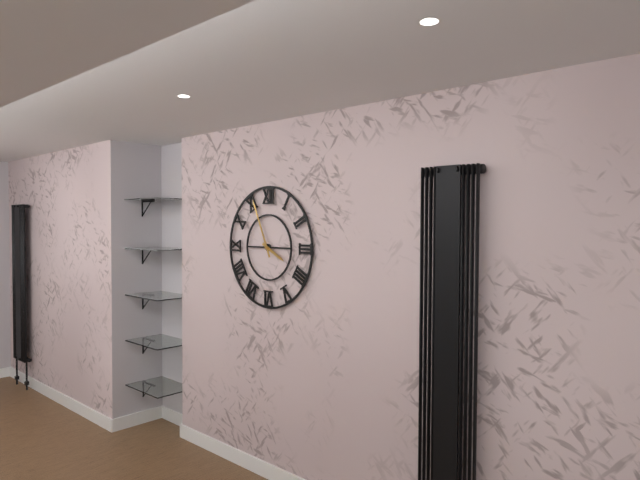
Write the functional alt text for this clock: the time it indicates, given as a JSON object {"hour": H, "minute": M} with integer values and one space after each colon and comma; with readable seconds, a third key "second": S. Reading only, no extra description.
{"hour": 3, "minute": 56}
